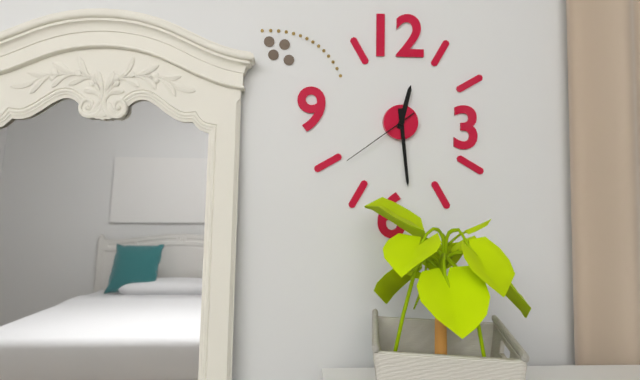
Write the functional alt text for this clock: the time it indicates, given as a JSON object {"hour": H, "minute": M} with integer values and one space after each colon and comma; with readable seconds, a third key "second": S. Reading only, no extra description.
{"hour": 12, "minute": 29, "second": 39}
